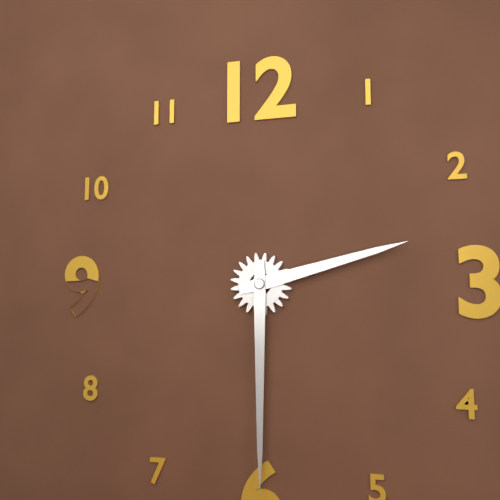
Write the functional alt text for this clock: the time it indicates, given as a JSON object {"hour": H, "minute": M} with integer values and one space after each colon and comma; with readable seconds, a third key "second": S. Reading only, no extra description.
{"hour": 2, "minute": 30}
